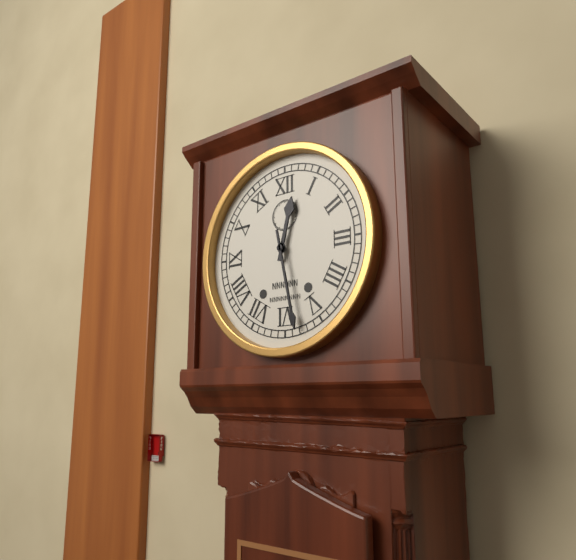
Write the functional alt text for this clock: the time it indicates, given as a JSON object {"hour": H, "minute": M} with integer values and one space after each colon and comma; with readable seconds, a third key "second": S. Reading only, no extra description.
{"hour": 12, "minute": 28}
